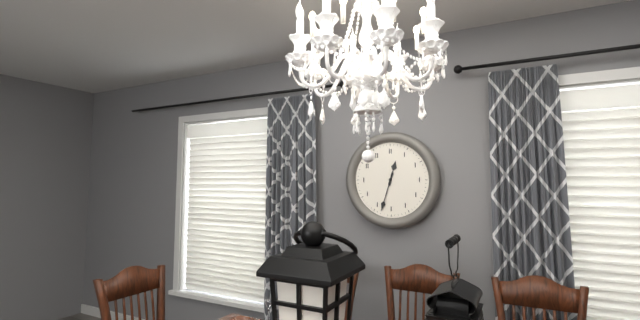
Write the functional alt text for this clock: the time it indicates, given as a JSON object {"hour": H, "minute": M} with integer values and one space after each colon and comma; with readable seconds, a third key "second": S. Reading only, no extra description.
{"hour": 12, "minute": 33}
